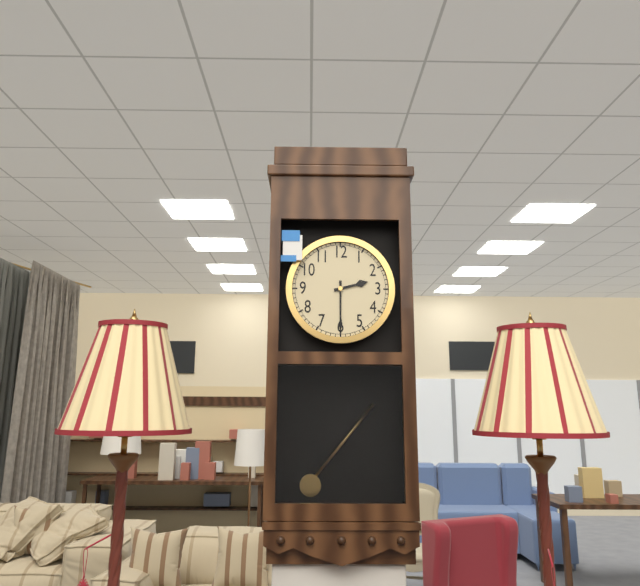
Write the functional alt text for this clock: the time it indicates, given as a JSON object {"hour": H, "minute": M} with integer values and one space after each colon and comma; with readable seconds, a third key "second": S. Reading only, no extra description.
{"hour": 2, "minute": 30}
